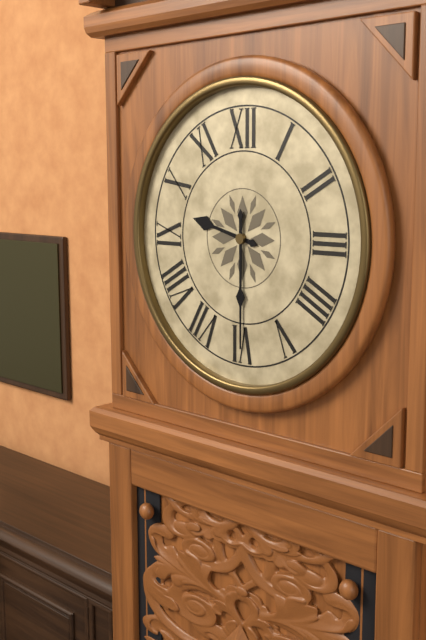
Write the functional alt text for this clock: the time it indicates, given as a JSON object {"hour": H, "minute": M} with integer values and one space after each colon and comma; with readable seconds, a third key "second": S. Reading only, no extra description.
{"hour": 9, "minute": 30}
